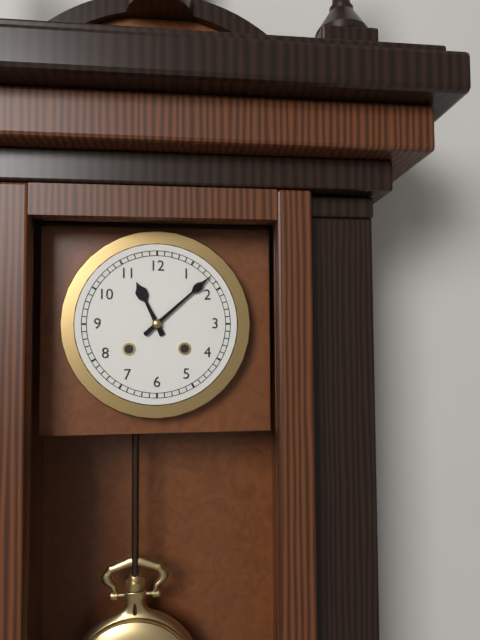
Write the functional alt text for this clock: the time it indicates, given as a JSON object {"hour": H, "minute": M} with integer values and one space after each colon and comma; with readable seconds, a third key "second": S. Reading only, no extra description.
{"hour": 11, "minute": 8}
